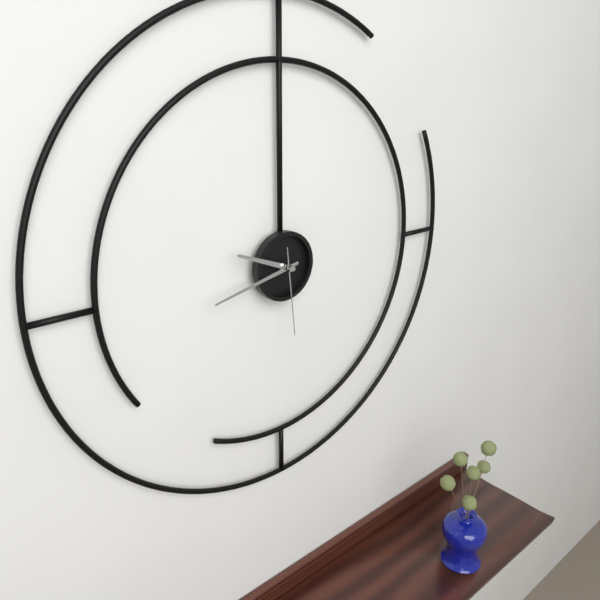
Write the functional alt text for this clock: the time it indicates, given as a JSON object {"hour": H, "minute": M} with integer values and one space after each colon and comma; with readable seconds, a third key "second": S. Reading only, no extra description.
{"hour": 9, "minute": 43, "second": 29}
